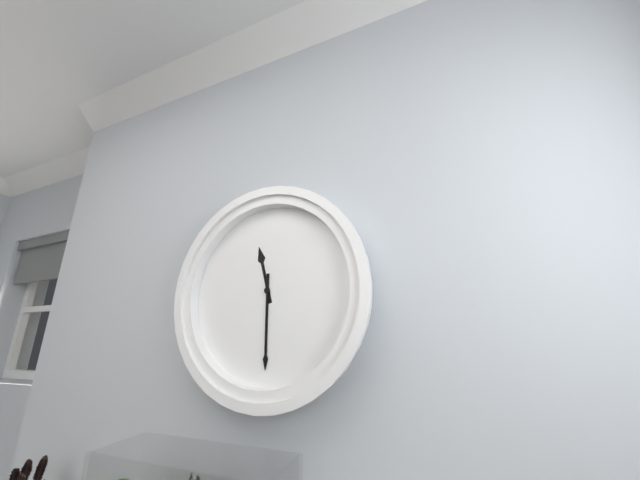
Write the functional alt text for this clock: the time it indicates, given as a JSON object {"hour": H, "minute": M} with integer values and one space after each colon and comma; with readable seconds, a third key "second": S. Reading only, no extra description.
{"hour": 11, "minute": 30}
